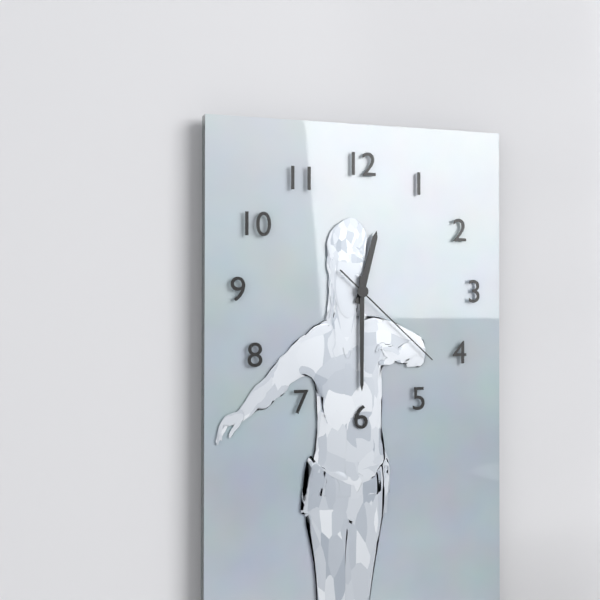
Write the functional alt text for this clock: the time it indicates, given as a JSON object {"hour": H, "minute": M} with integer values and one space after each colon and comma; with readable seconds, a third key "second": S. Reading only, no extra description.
{"hour": 12, "minute": 30, "second": 22}
